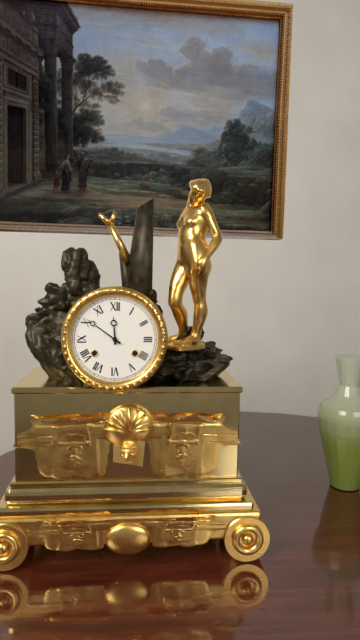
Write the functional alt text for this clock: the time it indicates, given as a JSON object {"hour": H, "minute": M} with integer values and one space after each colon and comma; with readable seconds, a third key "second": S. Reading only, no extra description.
{"hour": 11, "minute": 51}
